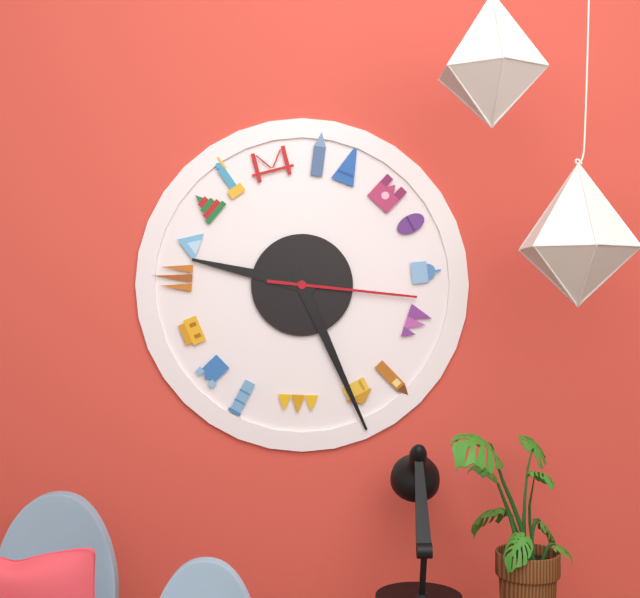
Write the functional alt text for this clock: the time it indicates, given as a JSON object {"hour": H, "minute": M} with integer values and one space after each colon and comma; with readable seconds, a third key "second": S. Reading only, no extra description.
{"hour": 9, "minute": 26, "second": 16}
